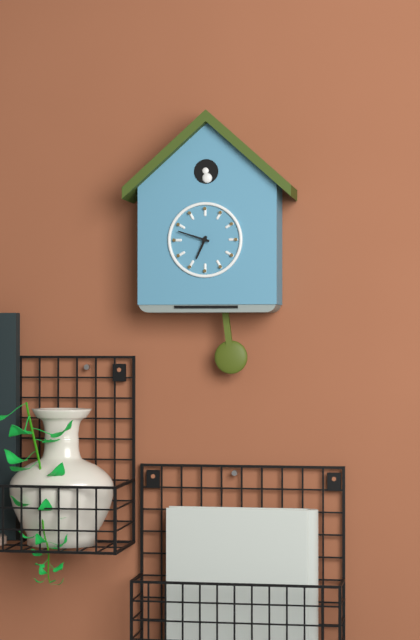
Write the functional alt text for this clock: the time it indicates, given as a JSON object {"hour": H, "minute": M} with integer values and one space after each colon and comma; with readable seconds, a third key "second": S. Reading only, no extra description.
{"hour": 6, "minute": 48}
